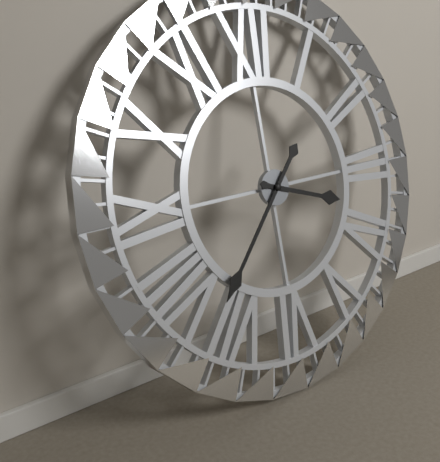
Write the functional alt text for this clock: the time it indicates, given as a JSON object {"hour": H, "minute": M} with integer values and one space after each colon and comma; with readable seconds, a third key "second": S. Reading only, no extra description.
{"hour": 3, "minute": 37}
